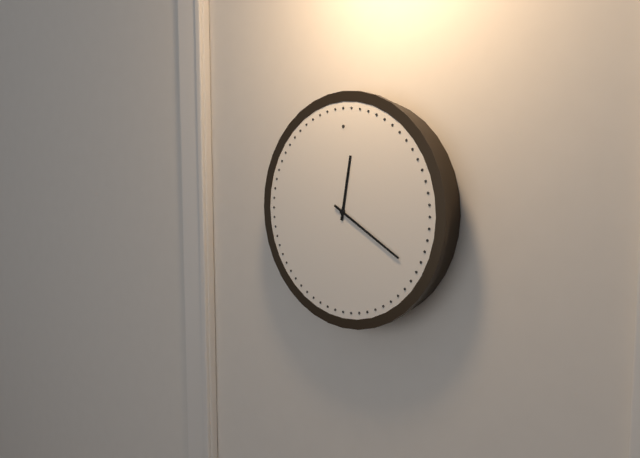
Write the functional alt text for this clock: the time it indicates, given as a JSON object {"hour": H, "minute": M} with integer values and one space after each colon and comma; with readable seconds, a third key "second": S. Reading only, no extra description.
{"hour": 12, "minute": 20}
